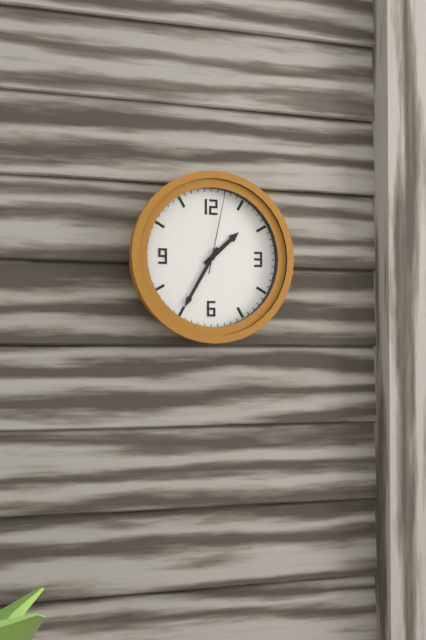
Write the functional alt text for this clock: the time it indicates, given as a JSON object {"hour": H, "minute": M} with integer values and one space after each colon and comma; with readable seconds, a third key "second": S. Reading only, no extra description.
{"hour": 1, "minute": 35, "second": 2}
